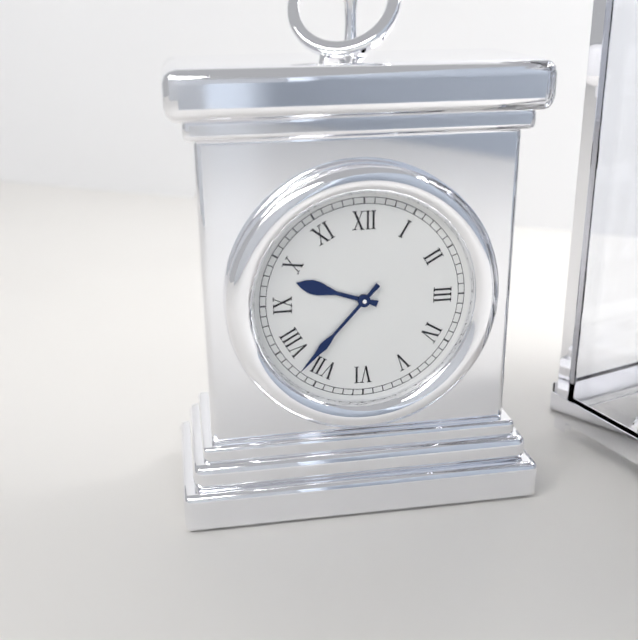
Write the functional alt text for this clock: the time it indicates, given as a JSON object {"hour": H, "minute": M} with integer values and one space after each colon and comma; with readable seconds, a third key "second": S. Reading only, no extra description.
{"hour": 9, "minute": 37}
